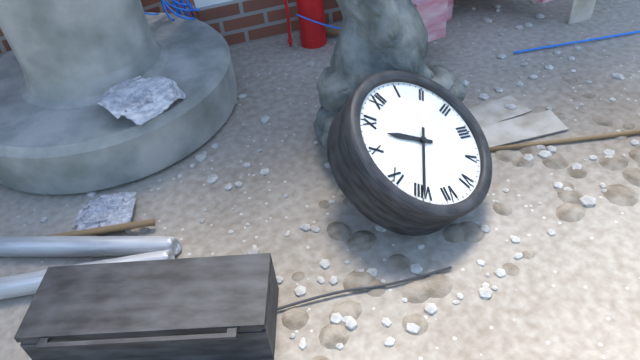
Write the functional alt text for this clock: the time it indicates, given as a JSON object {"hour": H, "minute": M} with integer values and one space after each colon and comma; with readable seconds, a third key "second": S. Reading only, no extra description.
{"hour": 10, "minute": 40}
